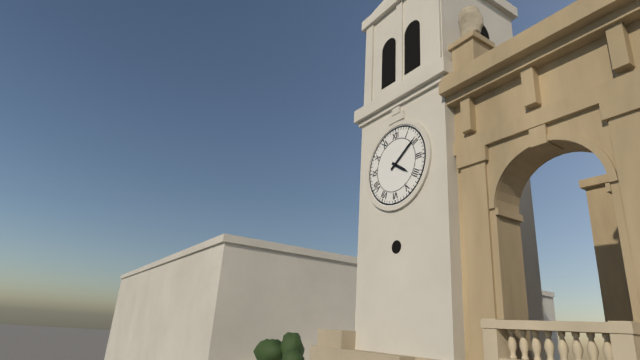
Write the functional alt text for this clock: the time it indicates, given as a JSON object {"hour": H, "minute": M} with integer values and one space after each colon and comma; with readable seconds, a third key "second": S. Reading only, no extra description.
{"hour": 4, "minute": 9}
